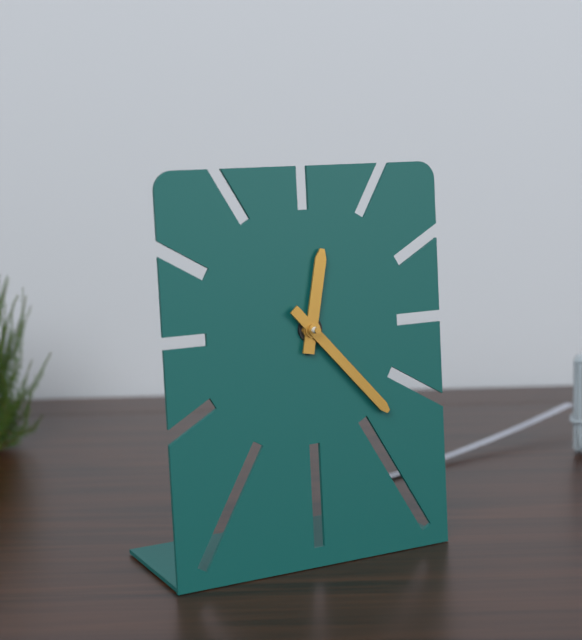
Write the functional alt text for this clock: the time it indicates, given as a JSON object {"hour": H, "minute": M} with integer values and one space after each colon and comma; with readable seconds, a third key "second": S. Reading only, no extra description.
{"hour": 12, "minute": 23}
